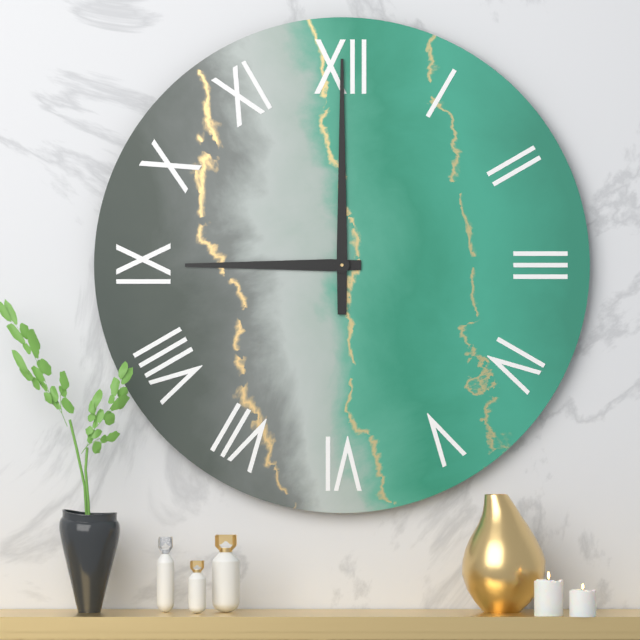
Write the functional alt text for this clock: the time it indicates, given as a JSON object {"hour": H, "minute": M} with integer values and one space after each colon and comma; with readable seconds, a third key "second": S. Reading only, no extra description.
{"hour": 9, "minute": 0}
